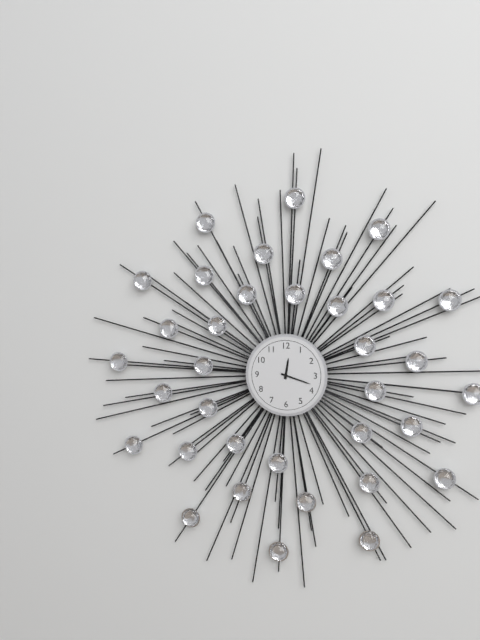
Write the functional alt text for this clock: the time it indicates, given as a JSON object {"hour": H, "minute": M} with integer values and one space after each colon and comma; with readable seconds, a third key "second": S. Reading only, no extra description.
{"hour": 12, "minute": 18}
